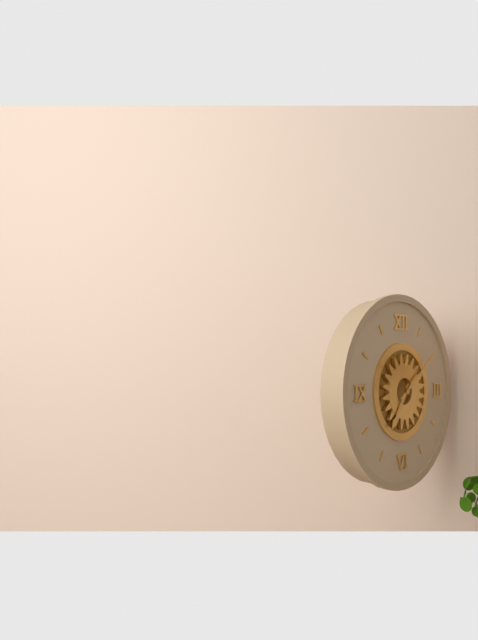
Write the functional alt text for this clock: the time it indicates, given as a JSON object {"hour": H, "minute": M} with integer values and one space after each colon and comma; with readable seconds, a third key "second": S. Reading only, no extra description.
{"hour": 7, "minute": 9}
